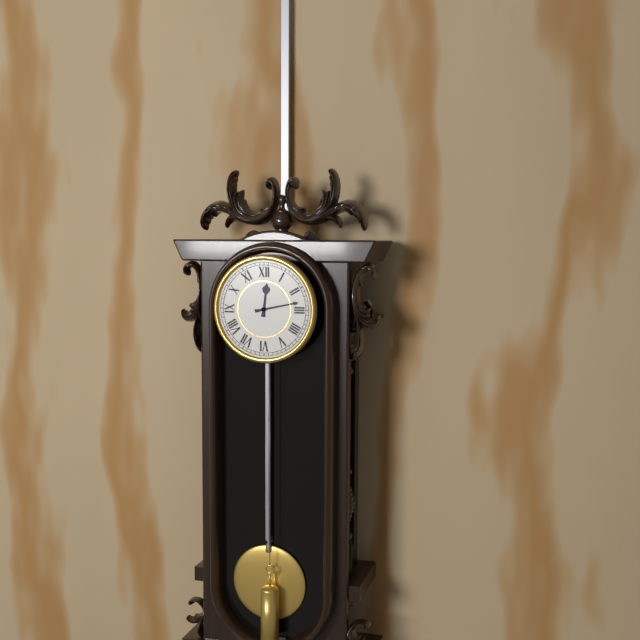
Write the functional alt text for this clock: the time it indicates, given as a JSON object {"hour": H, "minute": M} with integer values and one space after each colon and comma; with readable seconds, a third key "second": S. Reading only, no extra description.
{"hour": 12, "minute": 13}
